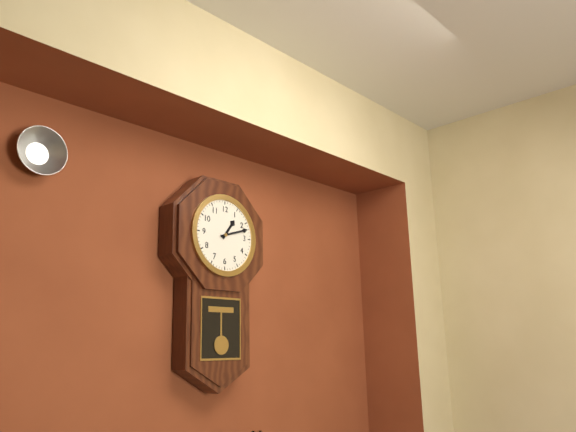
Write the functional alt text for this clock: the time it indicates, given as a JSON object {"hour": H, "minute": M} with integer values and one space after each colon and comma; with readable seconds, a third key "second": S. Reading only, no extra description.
{"hour": 1, "minute": 12}
